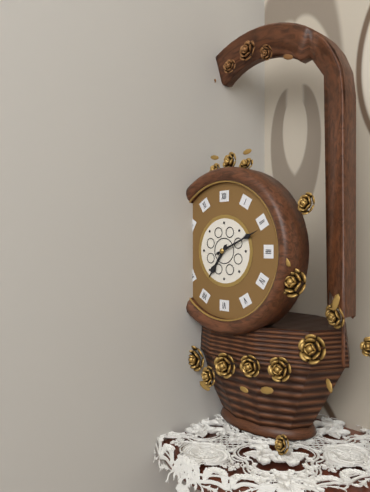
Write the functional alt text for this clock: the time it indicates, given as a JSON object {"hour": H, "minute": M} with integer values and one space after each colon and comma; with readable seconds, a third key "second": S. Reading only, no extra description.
{"hour": 7, "minute": 11}
